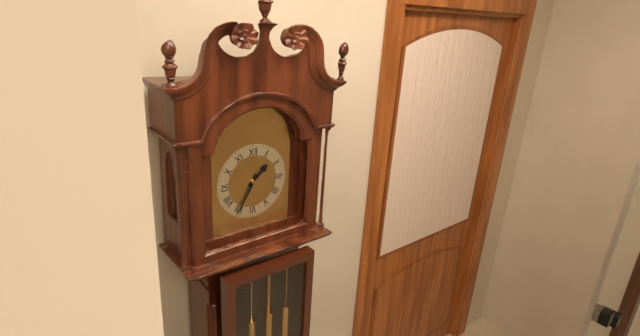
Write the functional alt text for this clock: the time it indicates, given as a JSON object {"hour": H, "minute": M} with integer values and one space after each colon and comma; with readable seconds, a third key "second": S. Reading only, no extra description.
{"hour": 1, "minute": 35}
